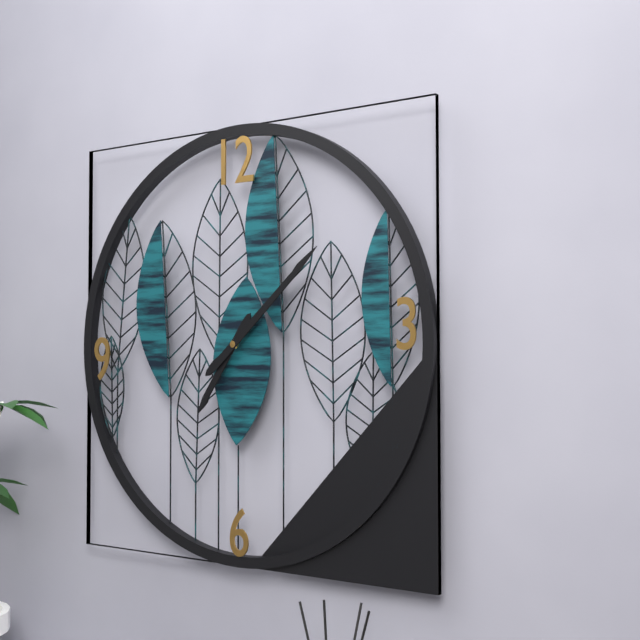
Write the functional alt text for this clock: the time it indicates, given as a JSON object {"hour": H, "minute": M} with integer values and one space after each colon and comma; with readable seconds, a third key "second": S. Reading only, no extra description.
{"hour": 7, "minute": 8}
